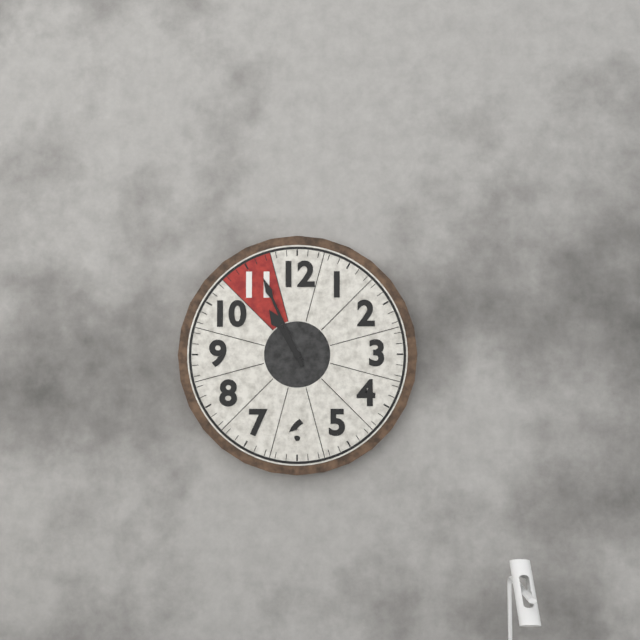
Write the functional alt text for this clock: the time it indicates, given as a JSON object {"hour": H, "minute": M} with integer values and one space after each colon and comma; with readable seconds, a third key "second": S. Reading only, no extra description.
{"hour": 10, "minute": 56}
